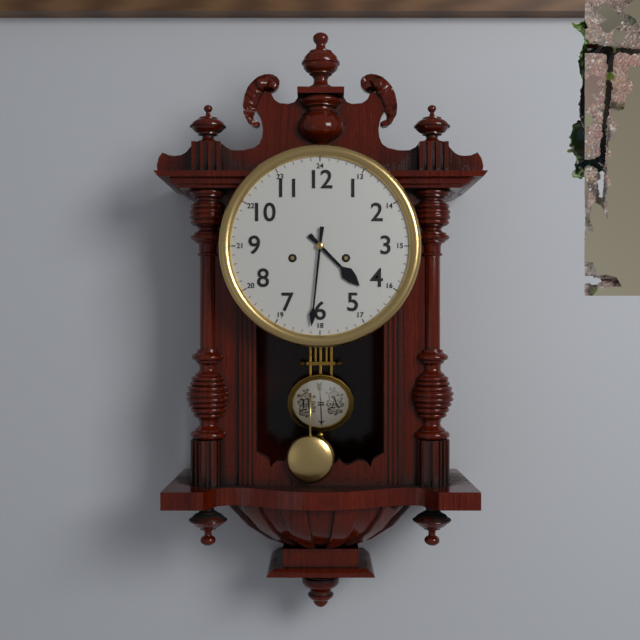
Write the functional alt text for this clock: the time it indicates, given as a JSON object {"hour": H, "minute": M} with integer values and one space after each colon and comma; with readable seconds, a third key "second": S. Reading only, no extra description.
{"hour": 4, "minute": 31}
